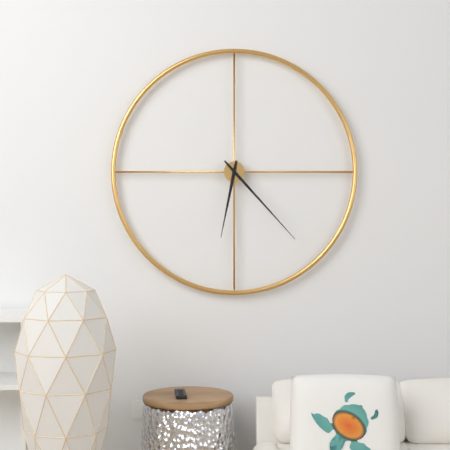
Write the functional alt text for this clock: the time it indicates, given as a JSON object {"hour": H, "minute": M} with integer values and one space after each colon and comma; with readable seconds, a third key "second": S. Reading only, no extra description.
{"hour": 6, "minute": 23}
